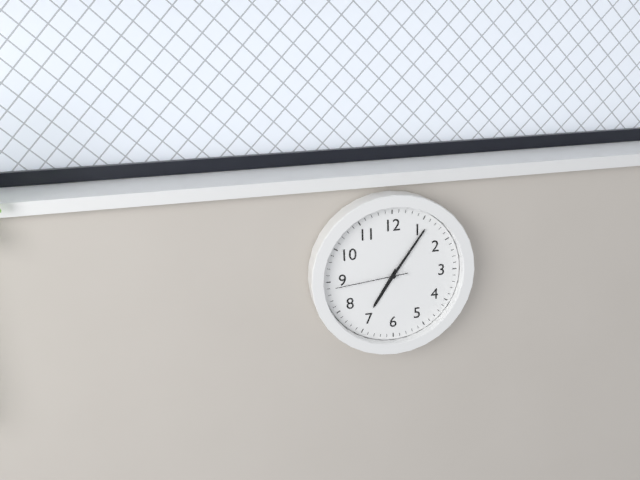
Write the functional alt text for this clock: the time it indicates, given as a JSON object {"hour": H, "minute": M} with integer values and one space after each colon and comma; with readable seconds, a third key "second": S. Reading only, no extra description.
{"hour": 7, "minute": 6, "second": 44}
